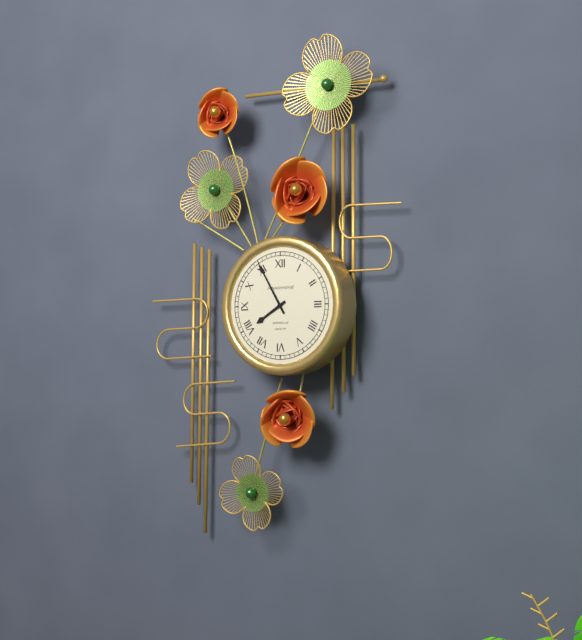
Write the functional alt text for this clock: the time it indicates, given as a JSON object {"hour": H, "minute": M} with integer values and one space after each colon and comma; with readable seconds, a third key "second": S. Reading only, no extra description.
{"hour": 7, "minute": 55}
